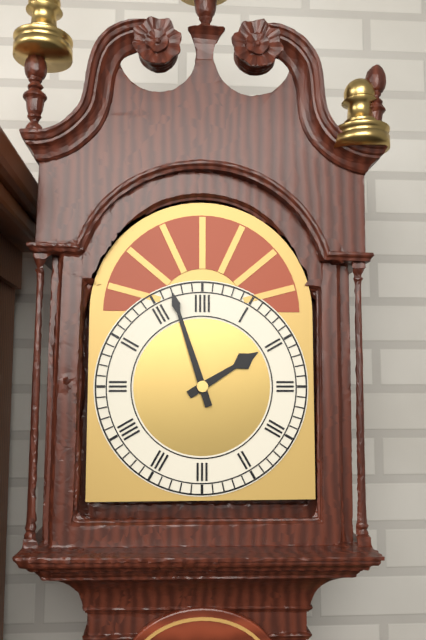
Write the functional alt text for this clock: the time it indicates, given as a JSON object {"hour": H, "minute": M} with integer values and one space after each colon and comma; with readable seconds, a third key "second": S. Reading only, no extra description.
{"hour": 1, "minute": 57}
